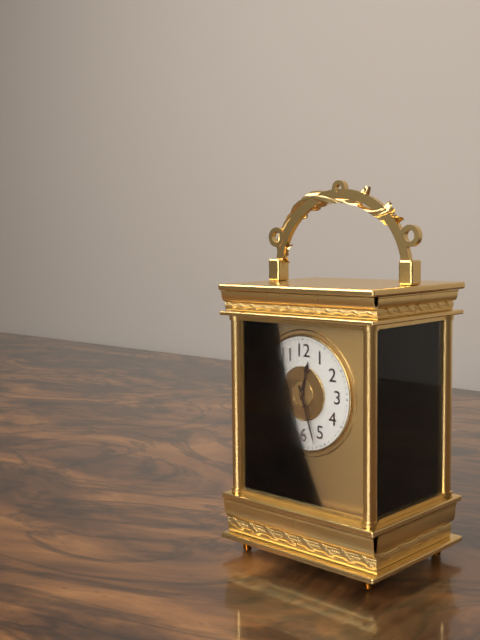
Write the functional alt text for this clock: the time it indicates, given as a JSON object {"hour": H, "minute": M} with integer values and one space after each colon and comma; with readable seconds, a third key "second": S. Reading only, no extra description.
{"hour": 12, "minute": 27}
